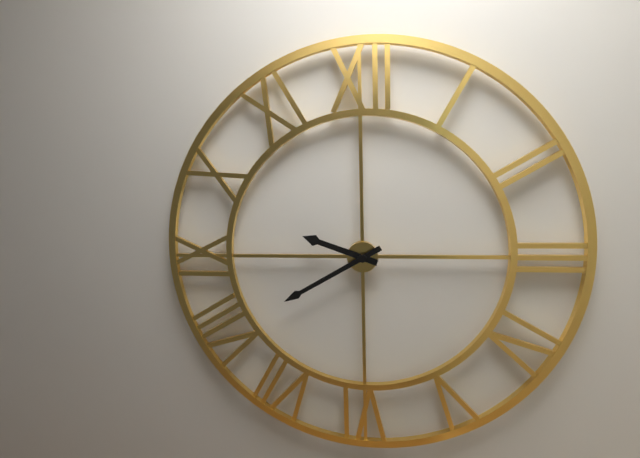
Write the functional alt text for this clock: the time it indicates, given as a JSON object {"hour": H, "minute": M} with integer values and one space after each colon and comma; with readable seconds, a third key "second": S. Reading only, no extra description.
{"hour": 9, "minute": 40}
